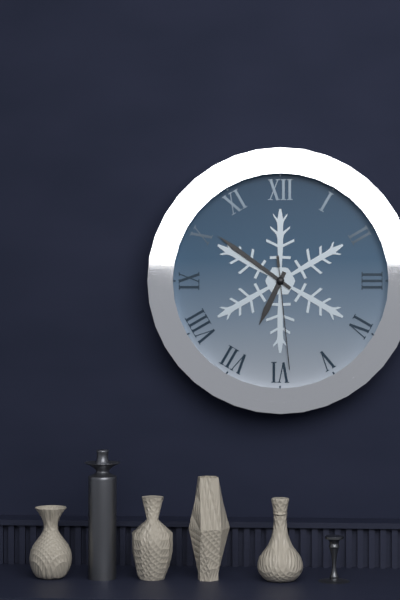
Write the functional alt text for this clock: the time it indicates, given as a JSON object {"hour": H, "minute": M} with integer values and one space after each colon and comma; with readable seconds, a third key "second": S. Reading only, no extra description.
{"hour": 6, "minute": 51, "second": 29}
